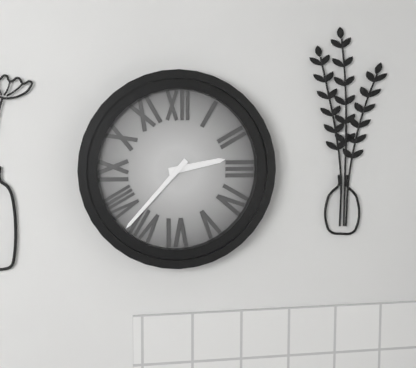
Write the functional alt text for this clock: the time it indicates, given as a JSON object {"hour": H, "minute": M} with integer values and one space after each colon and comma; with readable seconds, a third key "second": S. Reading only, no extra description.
{"hour": 2, "minute": 37}
